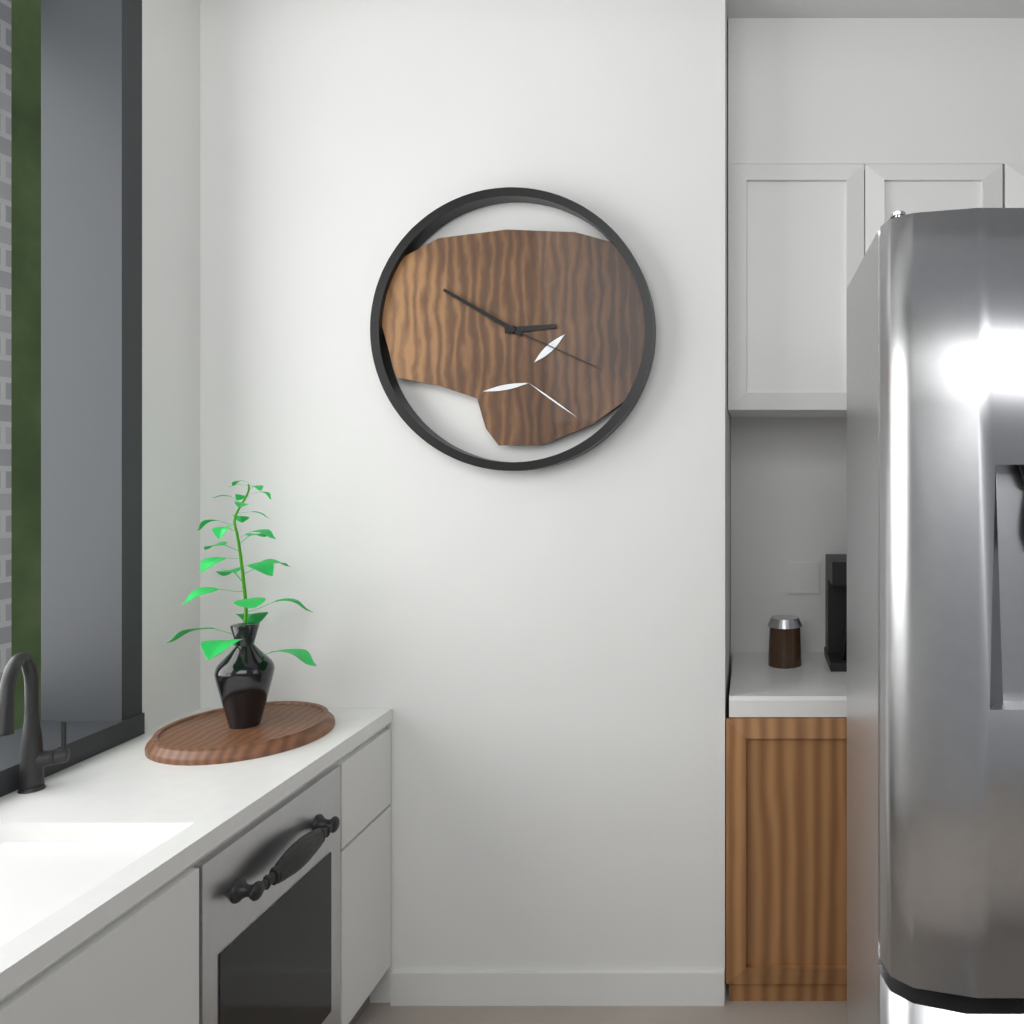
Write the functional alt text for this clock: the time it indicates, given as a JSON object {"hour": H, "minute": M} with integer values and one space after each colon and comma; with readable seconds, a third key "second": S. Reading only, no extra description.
{"hour": 2, "minute": 50, "second": 19}
